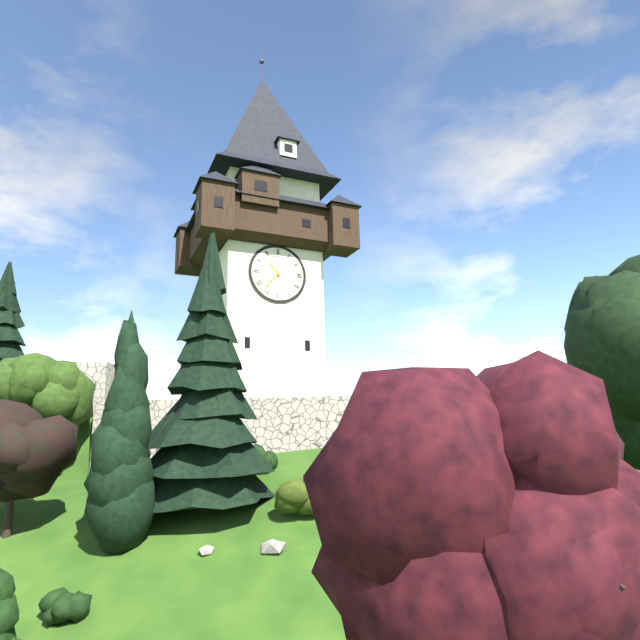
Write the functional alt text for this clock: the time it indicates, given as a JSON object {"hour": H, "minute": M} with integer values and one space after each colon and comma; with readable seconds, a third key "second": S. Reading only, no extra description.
{"hour": 10, "minute": 37}
